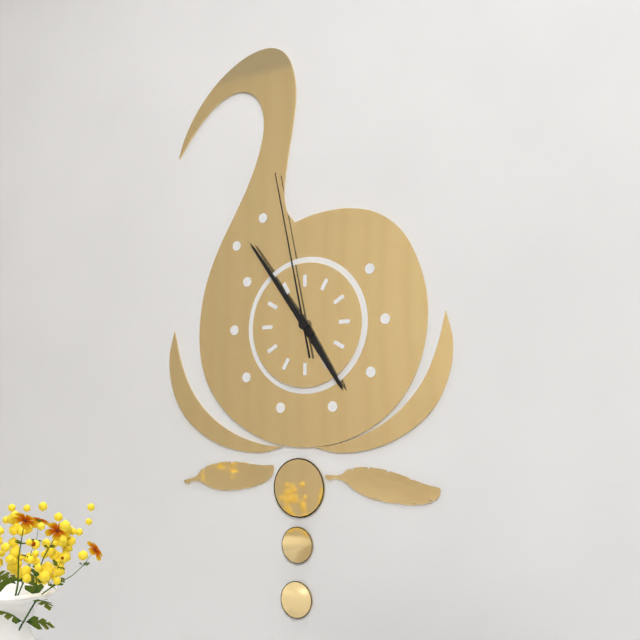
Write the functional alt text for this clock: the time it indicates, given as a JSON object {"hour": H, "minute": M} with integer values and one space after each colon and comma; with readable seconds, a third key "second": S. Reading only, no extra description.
{"hour": 4, "minute": 54, "second": 58}
